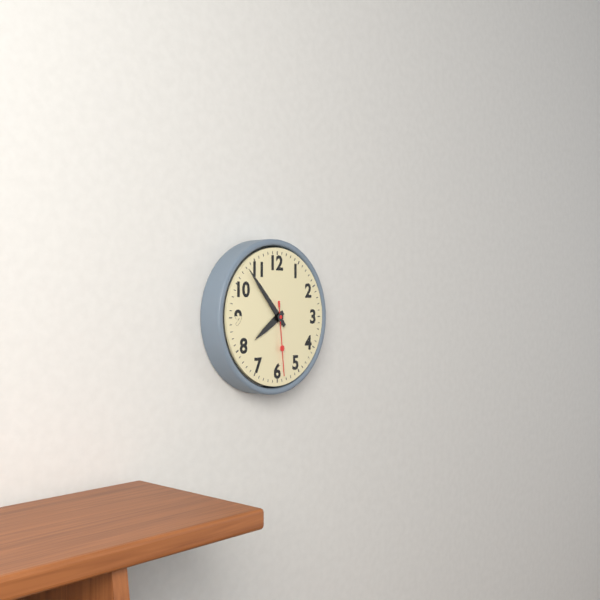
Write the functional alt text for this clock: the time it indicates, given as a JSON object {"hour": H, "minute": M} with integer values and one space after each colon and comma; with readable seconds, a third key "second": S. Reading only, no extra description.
{"hour": 7, "minute": 53, "second": 29}
